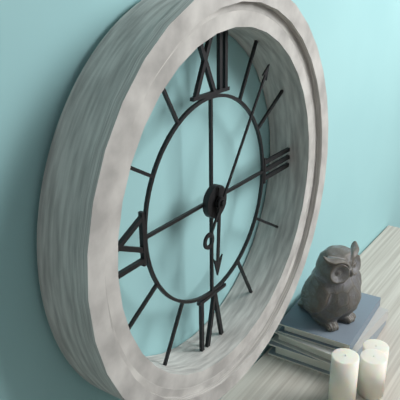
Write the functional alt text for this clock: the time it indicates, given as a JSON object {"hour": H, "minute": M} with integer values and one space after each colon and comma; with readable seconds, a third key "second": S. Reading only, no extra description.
{"hour": 6, "minute": 6}
